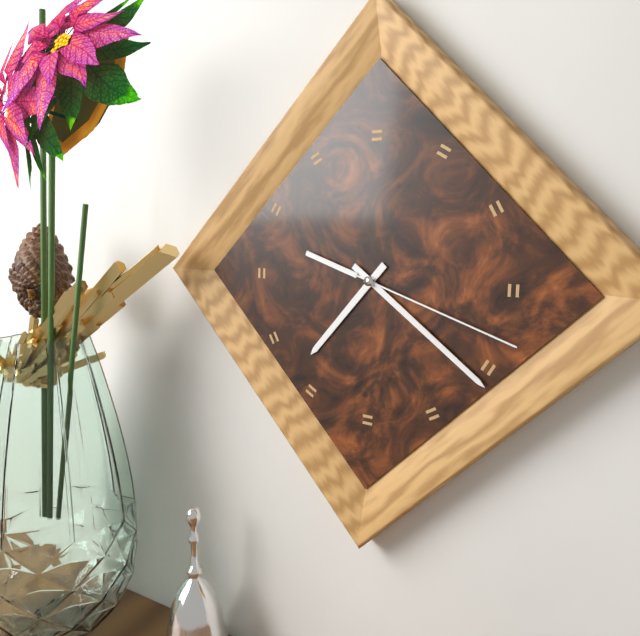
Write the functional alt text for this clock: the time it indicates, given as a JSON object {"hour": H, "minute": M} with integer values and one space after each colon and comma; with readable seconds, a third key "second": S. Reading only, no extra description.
{"hour": 7, "minute": 21, "second": 18}
